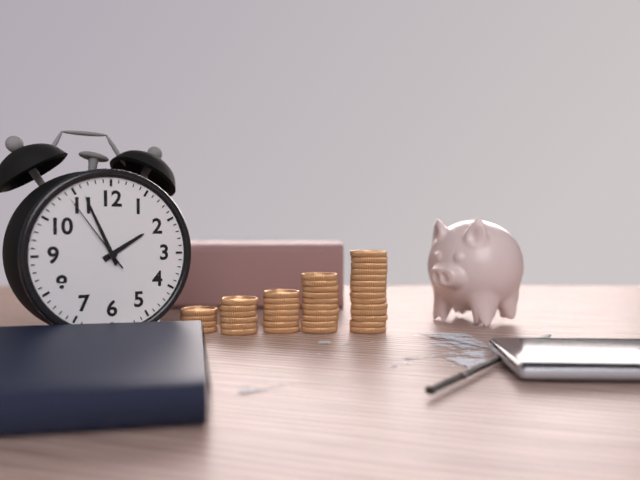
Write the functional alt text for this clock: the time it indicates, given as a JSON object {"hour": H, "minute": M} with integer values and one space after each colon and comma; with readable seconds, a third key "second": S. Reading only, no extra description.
{"hour": 1, "minute": 56, "second": 54}
